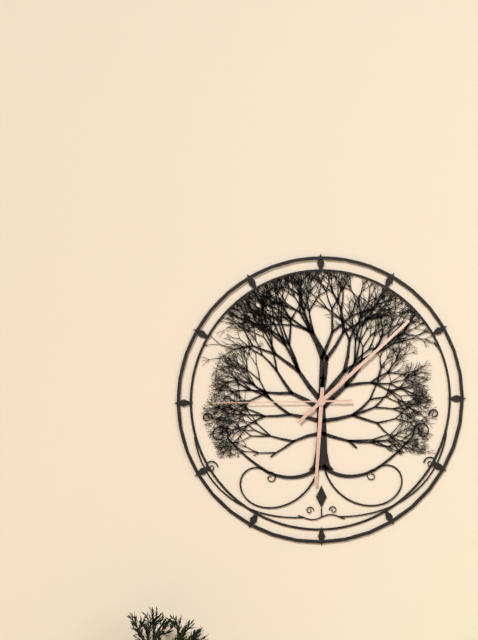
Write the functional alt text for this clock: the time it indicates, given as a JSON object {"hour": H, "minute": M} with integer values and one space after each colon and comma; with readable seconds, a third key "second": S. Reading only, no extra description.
{"hour": 6, "minute": 8, "second": 45}
